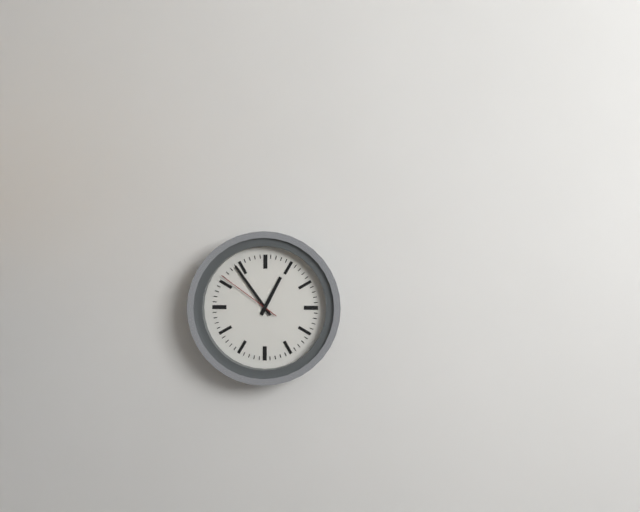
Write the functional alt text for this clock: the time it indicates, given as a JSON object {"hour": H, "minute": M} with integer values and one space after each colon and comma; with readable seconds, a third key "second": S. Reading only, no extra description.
{"hour": 12, "minute": 54, "second": 51}
